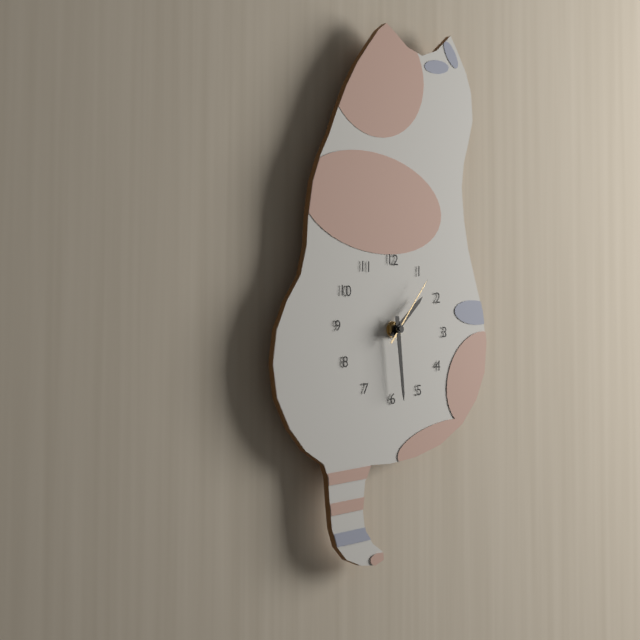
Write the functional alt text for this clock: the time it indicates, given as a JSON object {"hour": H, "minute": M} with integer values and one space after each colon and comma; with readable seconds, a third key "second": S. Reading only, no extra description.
{"hour": 1, "minute": 29, "second": 6}
